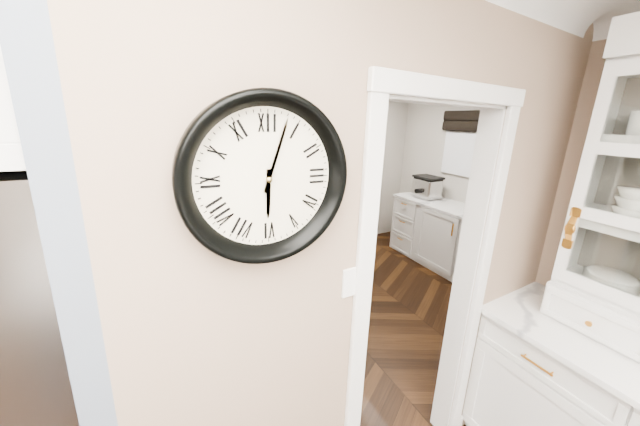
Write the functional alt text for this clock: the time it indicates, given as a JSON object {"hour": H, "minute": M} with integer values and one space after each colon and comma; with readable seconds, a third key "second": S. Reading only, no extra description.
{"hour": 6, "minute": 3}
